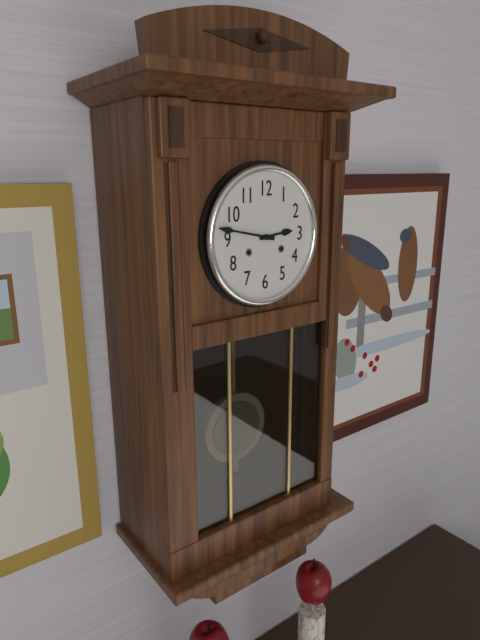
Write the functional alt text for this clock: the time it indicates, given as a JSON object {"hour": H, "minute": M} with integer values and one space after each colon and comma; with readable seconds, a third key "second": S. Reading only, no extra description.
{"hour": 2, "minute": 47}
